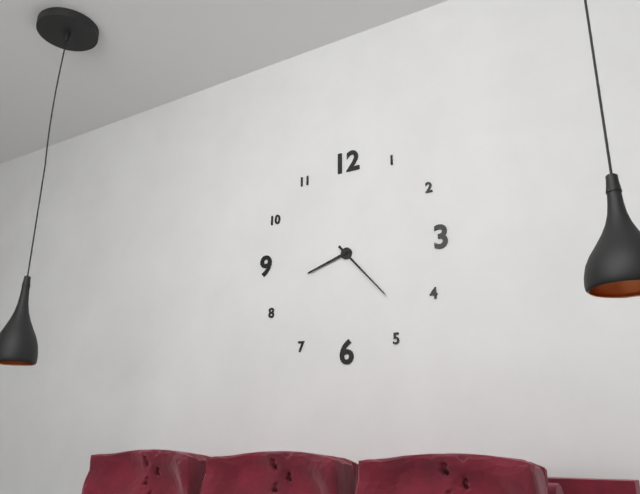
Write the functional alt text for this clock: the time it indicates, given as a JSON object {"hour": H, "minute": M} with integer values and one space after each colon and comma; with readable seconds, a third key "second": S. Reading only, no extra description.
{"hour": 8, "minute": 23}
